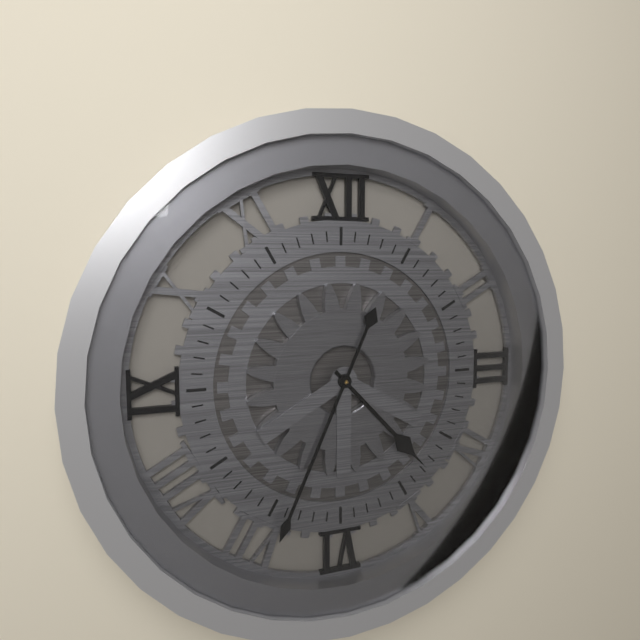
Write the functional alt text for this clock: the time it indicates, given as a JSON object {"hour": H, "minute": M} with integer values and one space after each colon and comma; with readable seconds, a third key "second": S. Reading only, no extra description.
{"hour": 4, "minute": 34}
